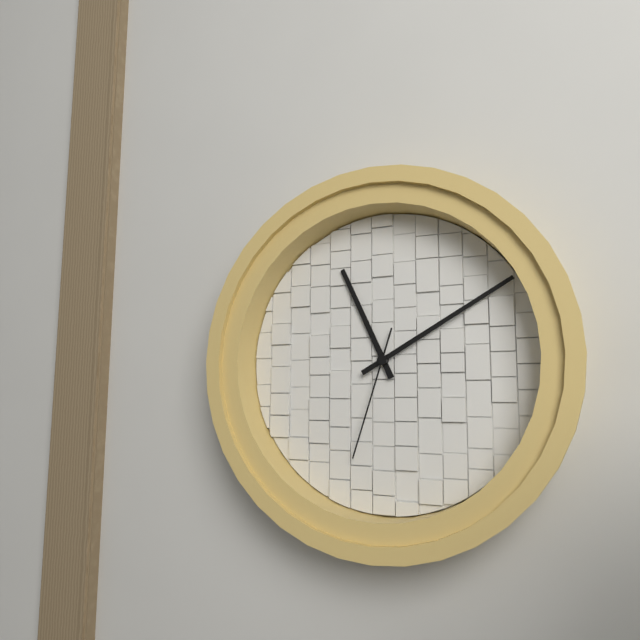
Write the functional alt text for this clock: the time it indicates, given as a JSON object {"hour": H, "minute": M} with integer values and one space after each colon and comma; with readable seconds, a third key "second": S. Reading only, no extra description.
{"hour": 11, "minute": 10, "second": 33}
